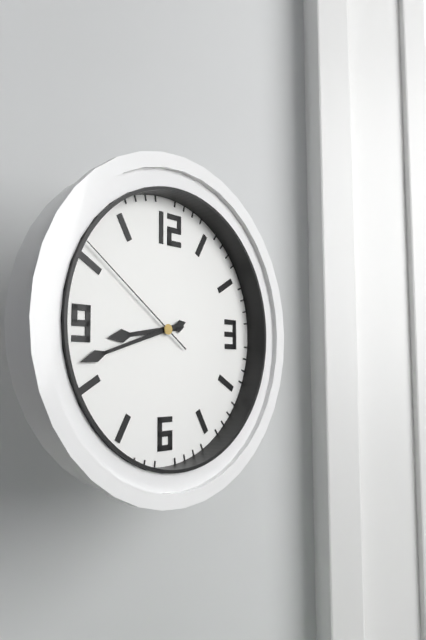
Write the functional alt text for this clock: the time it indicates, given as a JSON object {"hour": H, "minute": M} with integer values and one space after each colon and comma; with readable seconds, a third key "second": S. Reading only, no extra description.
{"hour": 8, "minute": 42, "second": 51}
